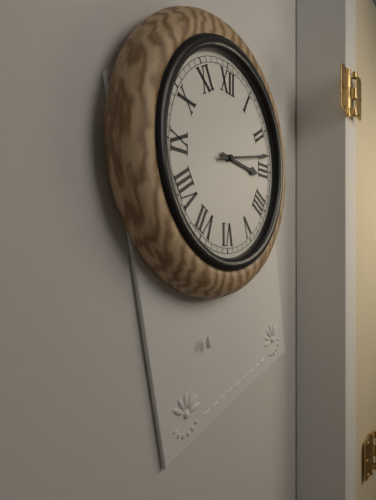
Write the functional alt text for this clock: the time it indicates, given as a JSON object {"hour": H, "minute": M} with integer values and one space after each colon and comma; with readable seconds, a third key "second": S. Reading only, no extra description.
{"hour": 3, "minute": 13}
